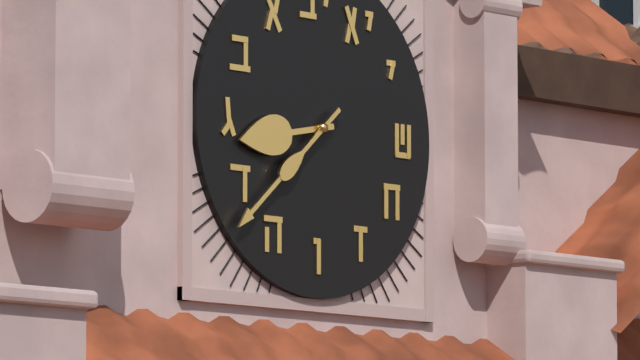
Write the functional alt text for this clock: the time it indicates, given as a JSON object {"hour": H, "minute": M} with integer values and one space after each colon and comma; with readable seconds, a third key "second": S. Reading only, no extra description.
{"hour": 8, "minute": 38}
